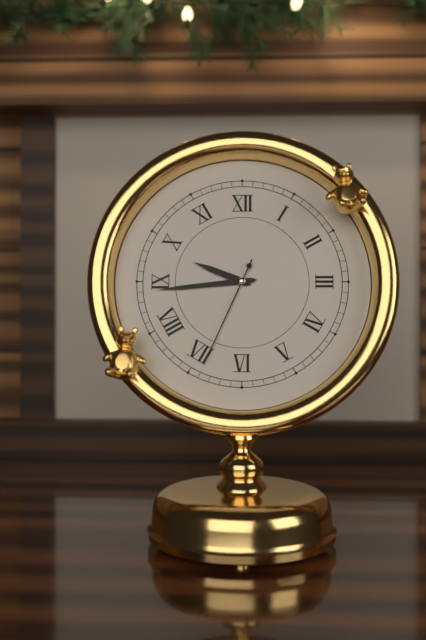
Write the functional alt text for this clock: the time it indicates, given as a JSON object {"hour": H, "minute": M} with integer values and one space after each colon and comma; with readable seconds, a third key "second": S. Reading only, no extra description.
{"hour": 9, "minute": 44, "second": 34}
